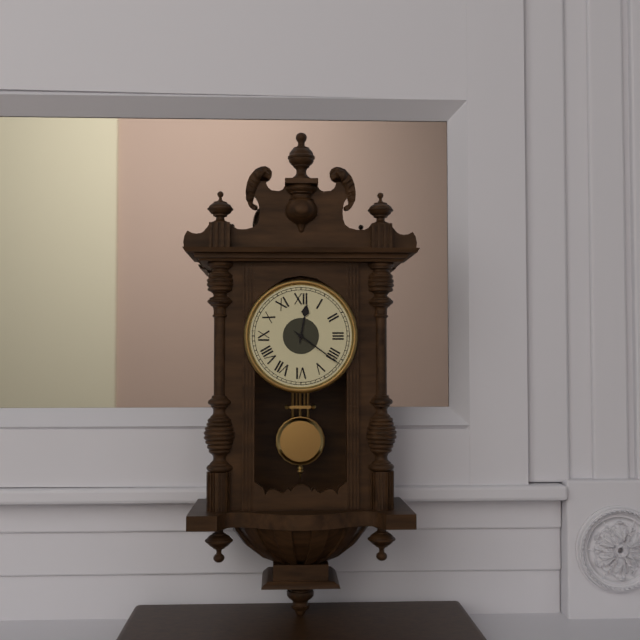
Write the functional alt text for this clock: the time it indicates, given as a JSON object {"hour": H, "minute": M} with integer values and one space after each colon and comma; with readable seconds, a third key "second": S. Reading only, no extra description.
{"hour": 12, "minute": 21}
